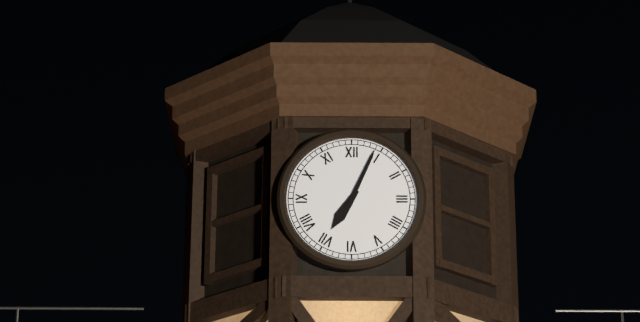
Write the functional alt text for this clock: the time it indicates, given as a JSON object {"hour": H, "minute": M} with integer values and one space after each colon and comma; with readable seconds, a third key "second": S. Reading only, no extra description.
{"hour": 7, "minute": 4}
